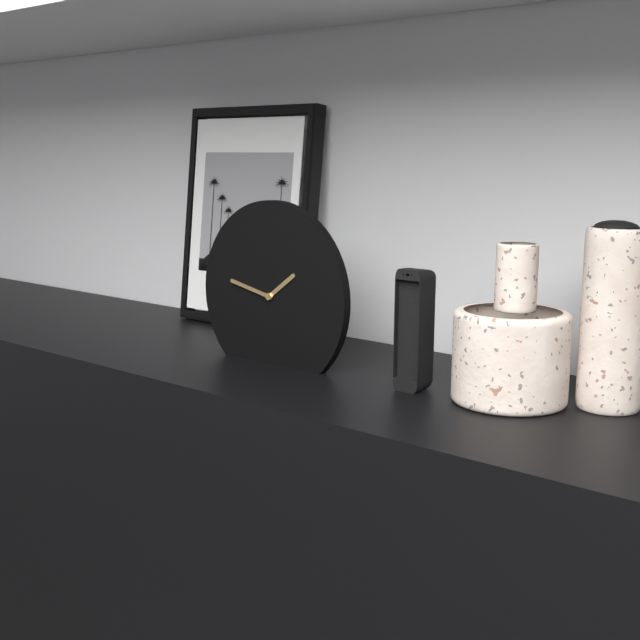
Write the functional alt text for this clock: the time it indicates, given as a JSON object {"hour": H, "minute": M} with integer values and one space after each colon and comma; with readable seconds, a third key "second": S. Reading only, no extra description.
{"hour": 1, "minute": 47}
